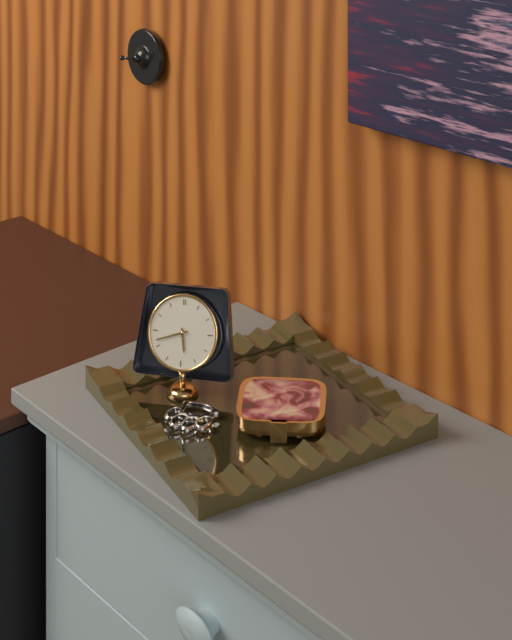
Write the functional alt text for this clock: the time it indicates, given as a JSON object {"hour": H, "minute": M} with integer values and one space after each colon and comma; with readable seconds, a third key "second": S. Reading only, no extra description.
{"hour": 5, "minute": 42}
